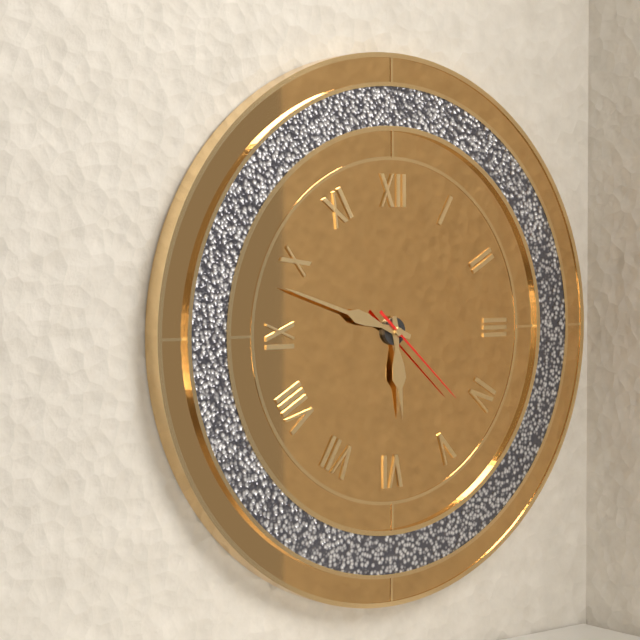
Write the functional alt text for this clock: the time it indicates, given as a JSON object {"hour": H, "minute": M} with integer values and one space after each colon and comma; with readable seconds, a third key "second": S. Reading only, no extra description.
{"hour": 5, "minute": 48, "second": 22}
